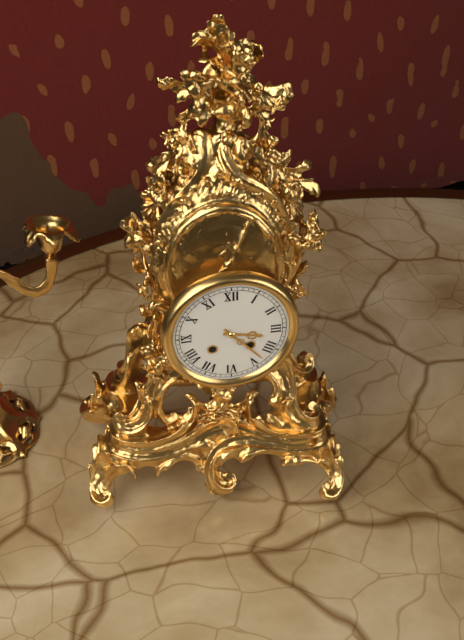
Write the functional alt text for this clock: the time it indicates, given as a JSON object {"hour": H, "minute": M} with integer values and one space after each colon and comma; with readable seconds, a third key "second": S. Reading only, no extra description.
{"hour": 3, "minute": 23}
